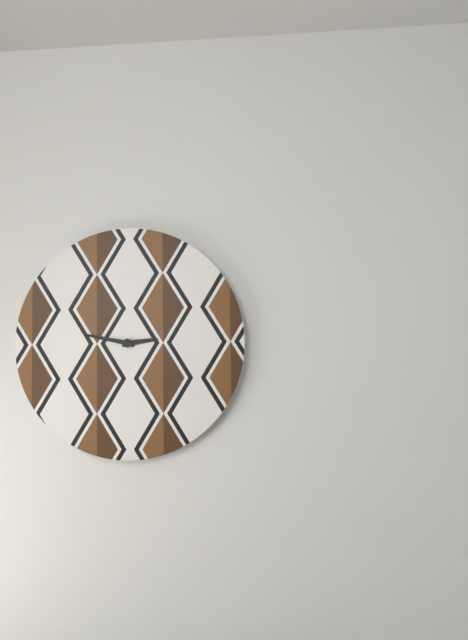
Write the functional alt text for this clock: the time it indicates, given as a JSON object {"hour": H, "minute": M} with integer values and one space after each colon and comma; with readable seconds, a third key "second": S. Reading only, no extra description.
{"hour": 2, "minute": 47}
